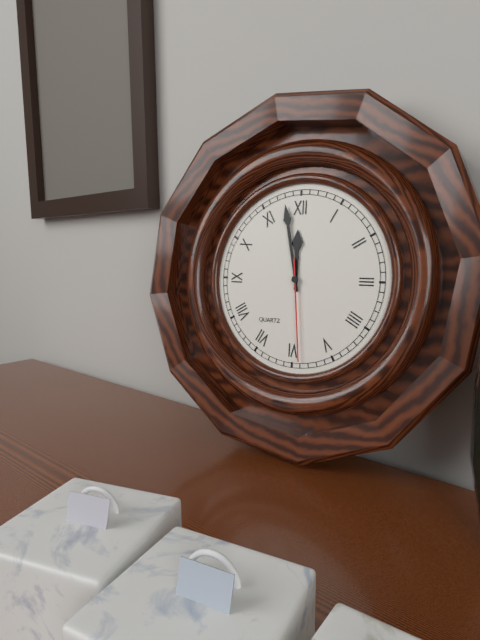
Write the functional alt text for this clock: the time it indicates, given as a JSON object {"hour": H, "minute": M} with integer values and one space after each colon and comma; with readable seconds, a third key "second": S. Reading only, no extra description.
{"hour": 11, "minute": 58, "second": 29}
